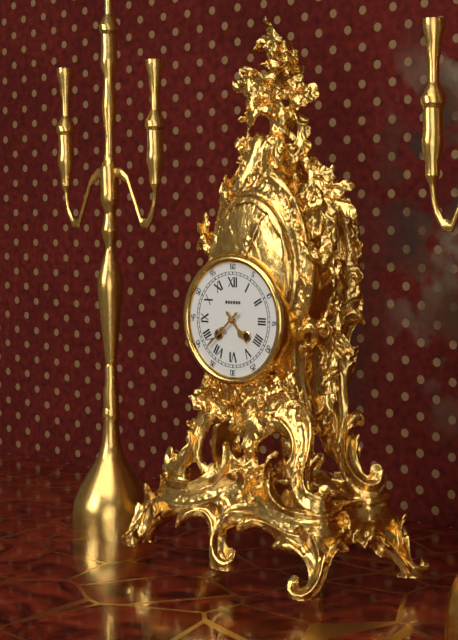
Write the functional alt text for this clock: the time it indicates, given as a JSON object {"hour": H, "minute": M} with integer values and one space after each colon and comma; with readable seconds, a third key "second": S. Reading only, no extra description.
{"hour": 4, "minute": 38}
